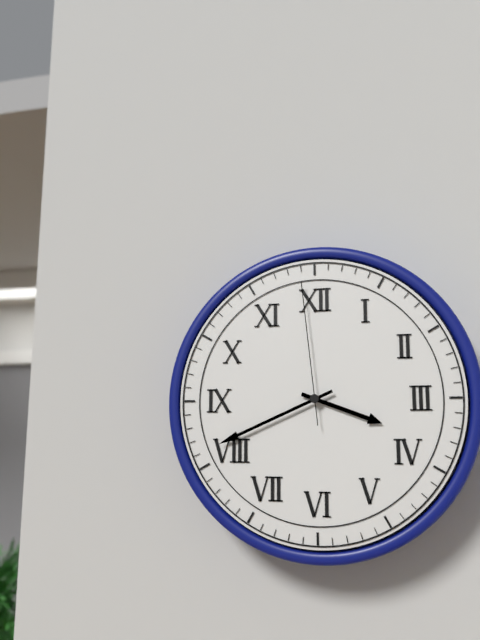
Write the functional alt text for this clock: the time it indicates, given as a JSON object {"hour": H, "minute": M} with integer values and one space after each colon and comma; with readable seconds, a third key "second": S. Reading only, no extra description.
{"hour": 3, "minute": 41, "second": 59}
